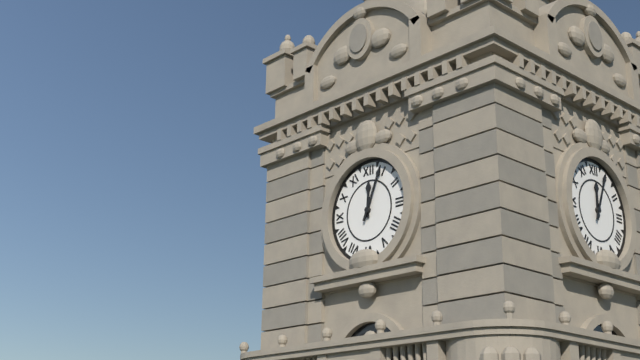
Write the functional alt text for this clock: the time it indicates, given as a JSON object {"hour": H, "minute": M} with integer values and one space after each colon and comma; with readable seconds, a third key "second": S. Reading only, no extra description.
{"hour": 12, "minute": 4}
